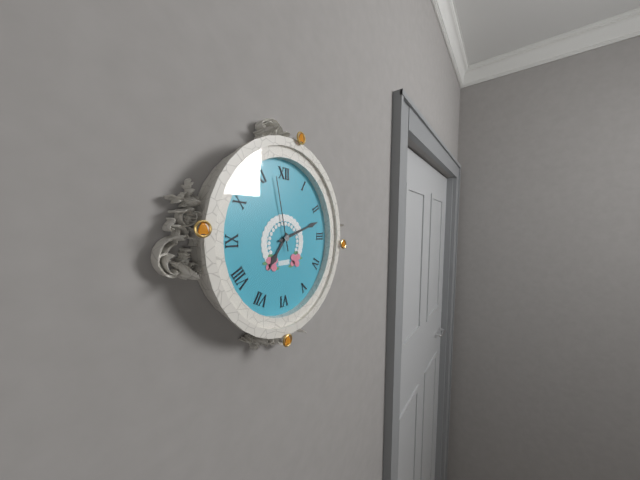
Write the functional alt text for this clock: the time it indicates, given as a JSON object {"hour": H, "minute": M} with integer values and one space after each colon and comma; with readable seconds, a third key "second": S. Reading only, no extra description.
{"hour": 7, "minute": 12, "second": 58}
